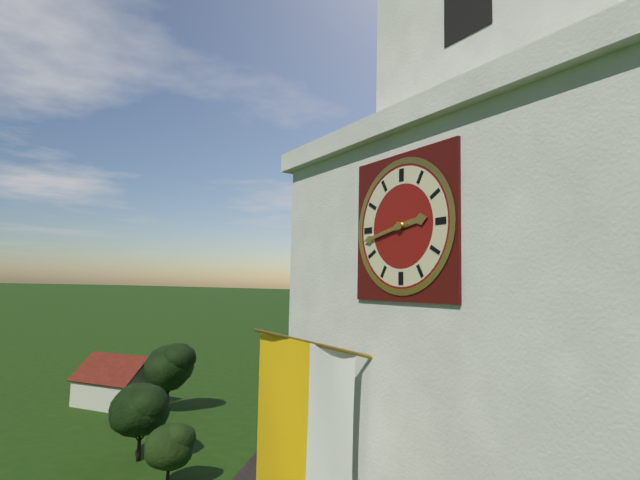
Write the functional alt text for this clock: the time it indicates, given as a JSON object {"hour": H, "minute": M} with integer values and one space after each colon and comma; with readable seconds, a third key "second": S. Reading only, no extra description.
{"hour": 2, "minute": 43}
